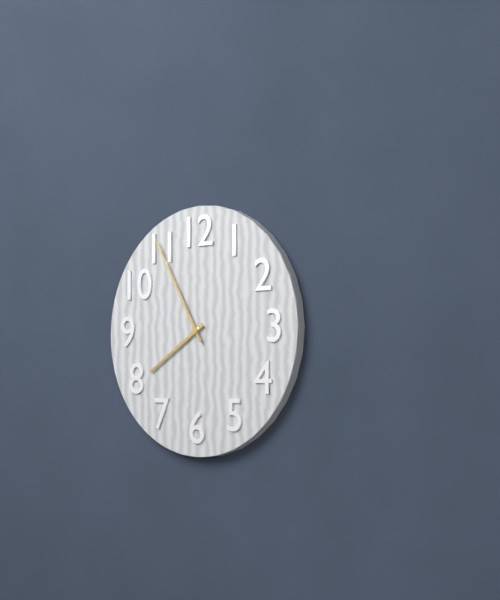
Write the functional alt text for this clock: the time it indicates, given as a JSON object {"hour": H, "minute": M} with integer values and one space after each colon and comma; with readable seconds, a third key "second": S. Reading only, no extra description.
{"hour": 7, "minute": 55}
